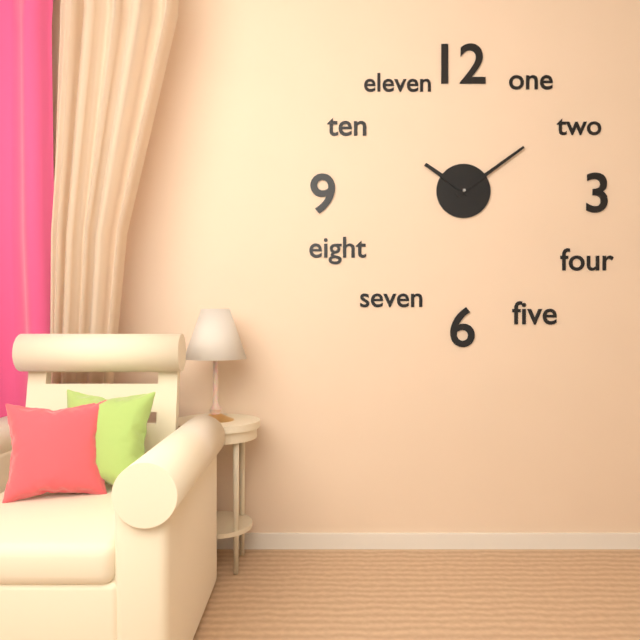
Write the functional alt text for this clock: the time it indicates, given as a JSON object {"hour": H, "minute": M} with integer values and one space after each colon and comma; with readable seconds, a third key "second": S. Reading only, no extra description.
{"hour": 10, "minute": 9}
